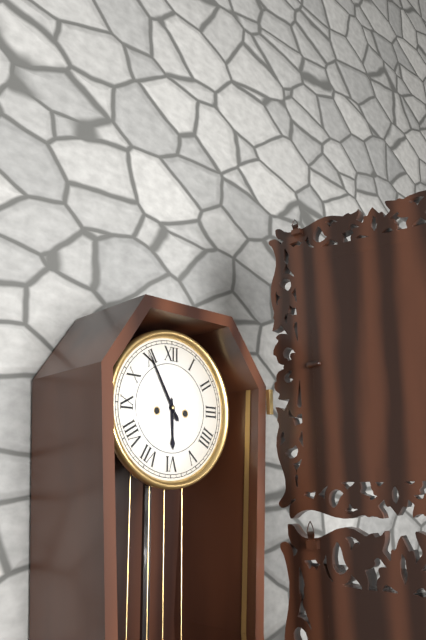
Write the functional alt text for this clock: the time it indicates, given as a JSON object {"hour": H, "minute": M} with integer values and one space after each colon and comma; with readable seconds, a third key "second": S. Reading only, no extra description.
{"hour": 5, "minute": 55}
